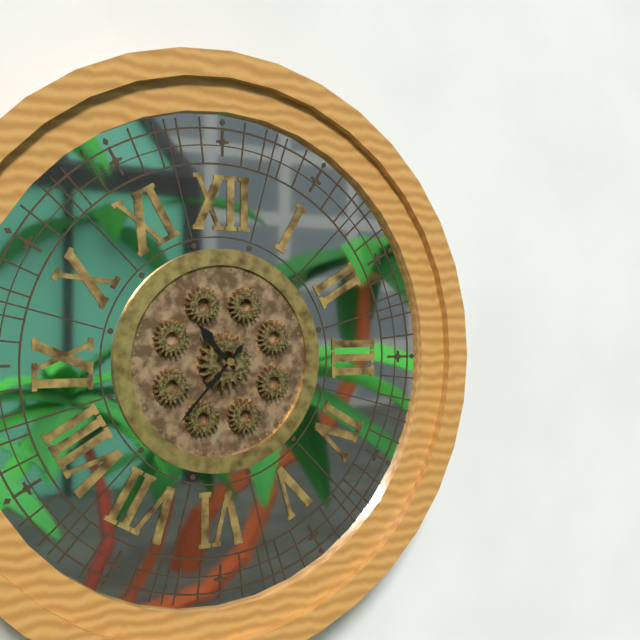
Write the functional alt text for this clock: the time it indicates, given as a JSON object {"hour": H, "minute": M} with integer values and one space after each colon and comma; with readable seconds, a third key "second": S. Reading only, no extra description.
{"hour": 10, "minute": 37}
